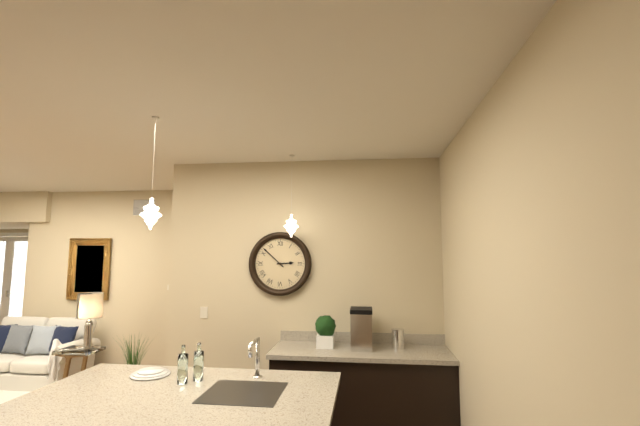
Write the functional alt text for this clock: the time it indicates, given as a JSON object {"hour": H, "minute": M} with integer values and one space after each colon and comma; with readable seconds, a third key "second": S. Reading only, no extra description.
{"hour": 2, "minute": 52}
